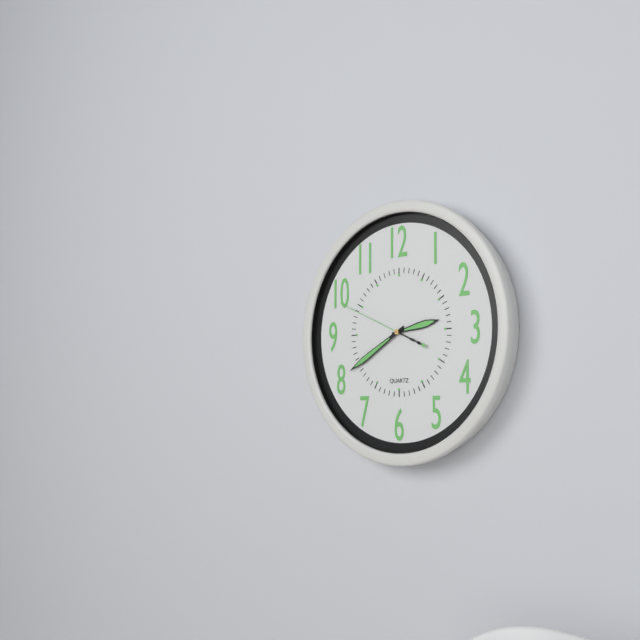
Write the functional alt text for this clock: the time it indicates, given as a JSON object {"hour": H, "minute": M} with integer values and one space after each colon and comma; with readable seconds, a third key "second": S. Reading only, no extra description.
{"hour": 2, "minute": 40, "second": 49}
